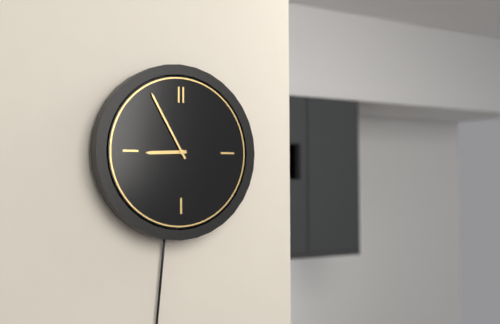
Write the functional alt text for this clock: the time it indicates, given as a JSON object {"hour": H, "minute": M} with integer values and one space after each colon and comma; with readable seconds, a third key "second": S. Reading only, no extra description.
{"hour": 8, "minute": 55}
